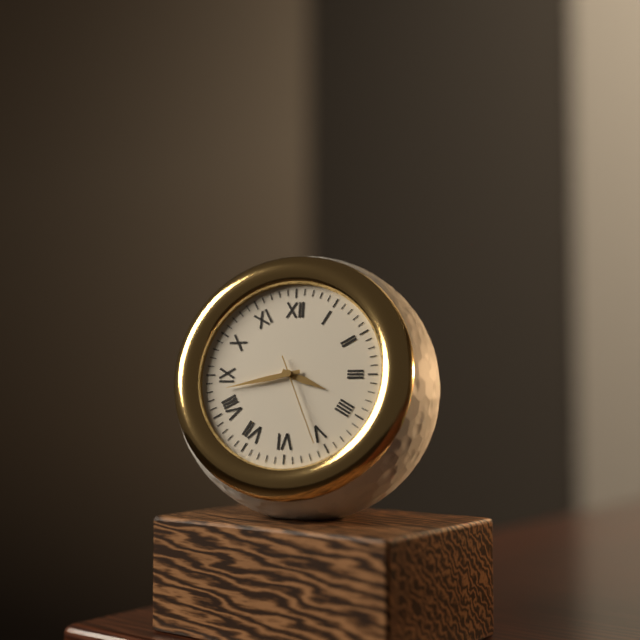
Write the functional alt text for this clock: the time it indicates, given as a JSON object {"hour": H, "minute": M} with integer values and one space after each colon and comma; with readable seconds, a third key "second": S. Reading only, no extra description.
{"hour": 3, "minute": 43, "second": 26}
